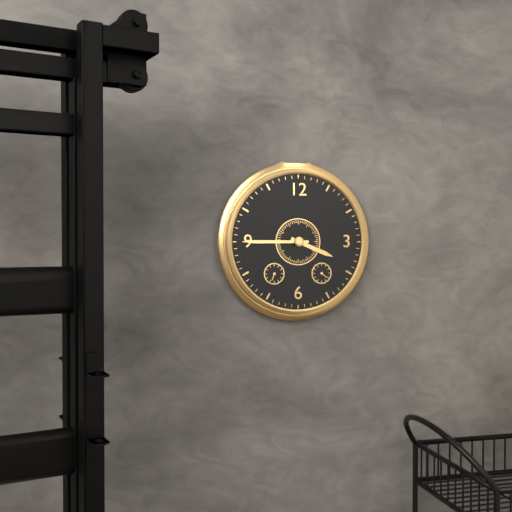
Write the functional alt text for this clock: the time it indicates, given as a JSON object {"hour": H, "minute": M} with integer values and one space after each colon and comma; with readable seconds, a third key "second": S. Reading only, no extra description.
{"hour": 3, "minute": 45}
